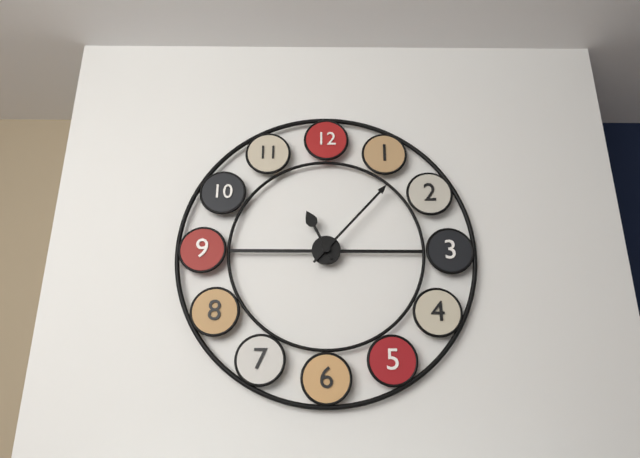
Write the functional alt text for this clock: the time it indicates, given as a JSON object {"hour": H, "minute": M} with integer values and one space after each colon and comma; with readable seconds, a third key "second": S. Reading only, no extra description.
{"hour": 11, "minute": 7}
